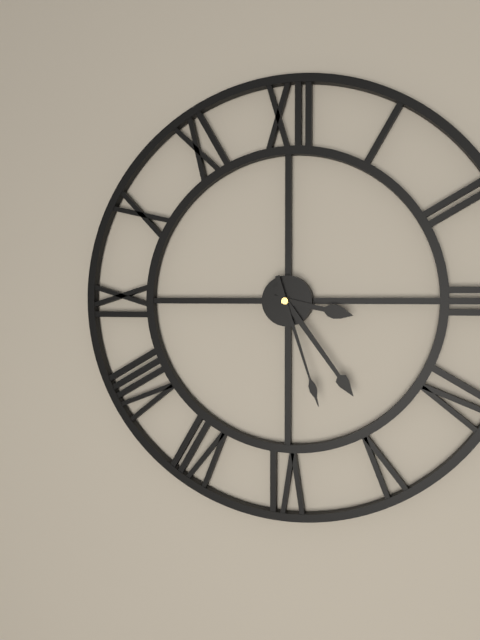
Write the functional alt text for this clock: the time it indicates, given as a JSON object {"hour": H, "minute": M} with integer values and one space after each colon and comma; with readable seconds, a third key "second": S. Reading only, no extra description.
{"hour": 3, "minute": 24, "second": 27}
